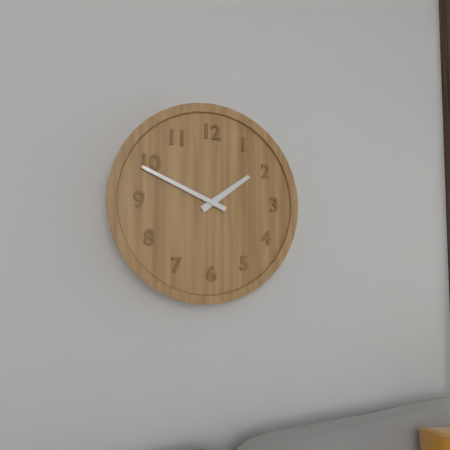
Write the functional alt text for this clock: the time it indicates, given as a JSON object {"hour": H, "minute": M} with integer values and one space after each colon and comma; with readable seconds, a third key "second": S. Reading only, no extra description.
{"hour": 1, "minute": 49}
